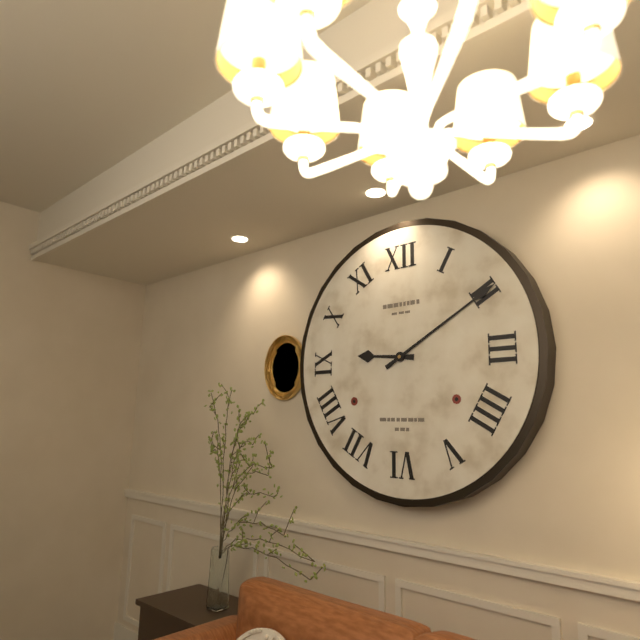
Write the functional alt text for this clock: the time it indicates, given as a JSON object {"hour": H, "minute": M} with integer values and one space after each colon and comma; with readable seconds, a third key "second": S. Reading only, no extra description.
{"hour": 9, "minute": 10}
